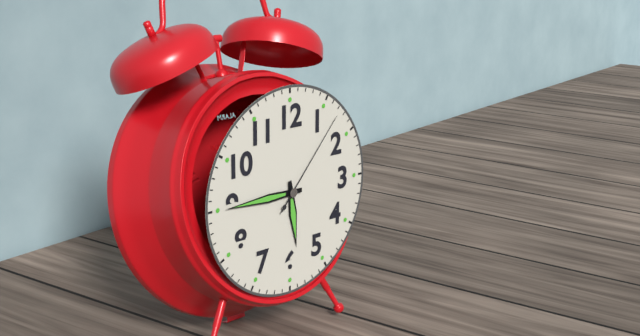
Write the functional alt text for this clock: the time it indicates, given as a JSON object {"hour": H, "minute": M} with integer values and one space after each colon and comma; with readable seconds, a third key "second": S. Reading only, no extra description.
{"hour": 5, "minute": 45, "second": 7}
